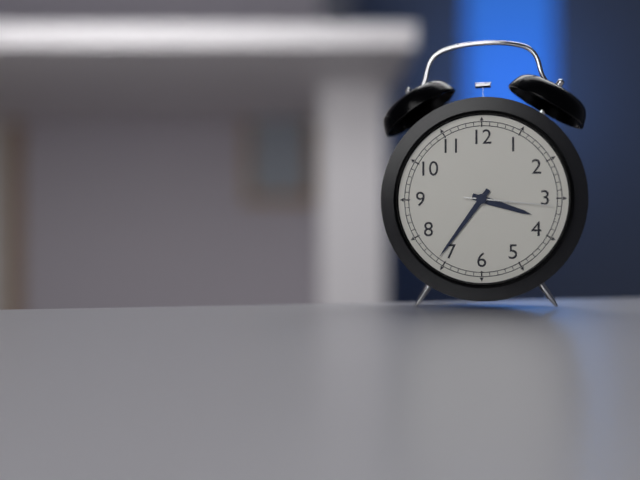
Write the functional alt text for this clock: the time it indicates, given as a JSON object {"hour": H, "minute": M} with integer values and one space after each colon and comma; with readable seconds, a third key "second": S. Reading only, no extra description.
{"hour": 3, "minute": 36, "second": 16}
